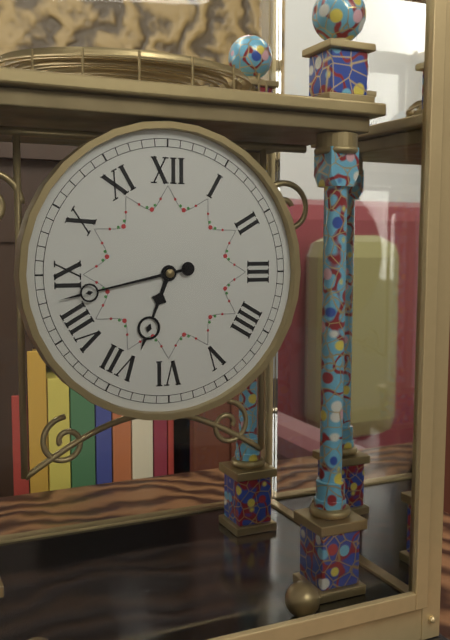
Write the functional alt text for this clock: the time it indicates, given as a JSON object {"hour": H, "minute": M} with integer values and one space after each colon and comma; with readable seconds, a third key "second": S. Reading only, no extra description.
{"hour": 6, "minute": 43}
